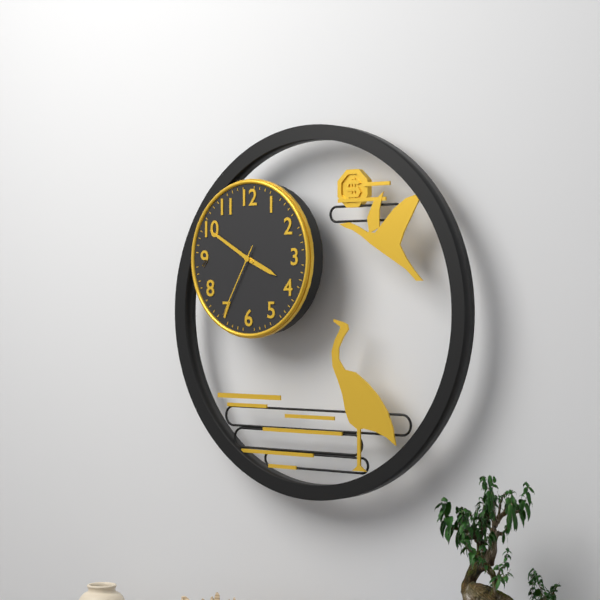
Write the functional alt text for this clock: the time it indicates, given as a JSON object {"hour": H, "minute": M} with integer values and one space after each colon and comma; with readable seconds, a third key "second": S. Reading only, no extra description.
{"hour": 3, "minute": 50, "second": 35}
